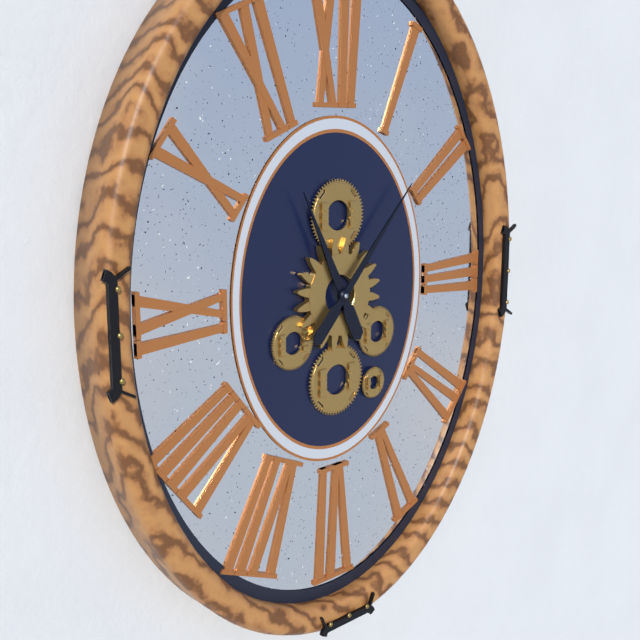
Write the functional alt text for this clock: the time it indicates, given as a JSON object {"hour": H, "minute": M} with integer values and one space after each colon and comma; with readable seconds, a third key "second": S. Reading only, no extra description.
{"hour": 11, "minute": 7}
